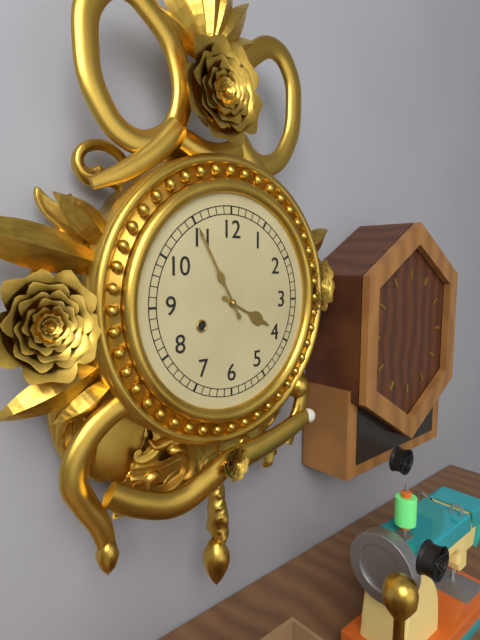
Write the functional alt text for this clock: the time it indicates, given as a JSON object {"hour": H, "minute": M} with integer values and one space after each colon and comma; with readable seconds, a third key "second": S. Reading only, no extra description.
{"hour": 3, "minute": 55}
